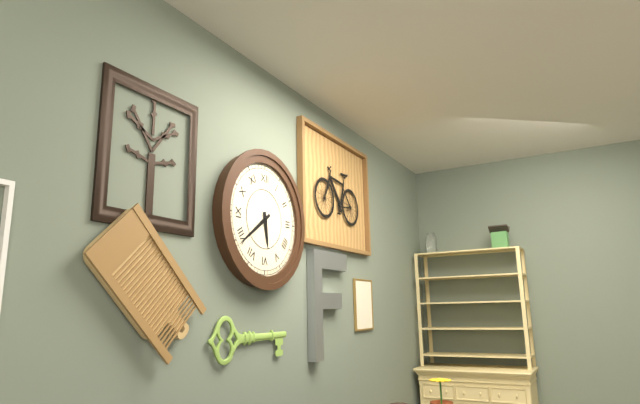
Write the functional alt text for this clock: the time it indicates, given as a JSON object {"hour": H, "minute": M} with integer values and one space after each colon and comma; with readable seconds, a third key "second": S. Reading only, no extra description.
{"hour": 5, "minute": 39}
